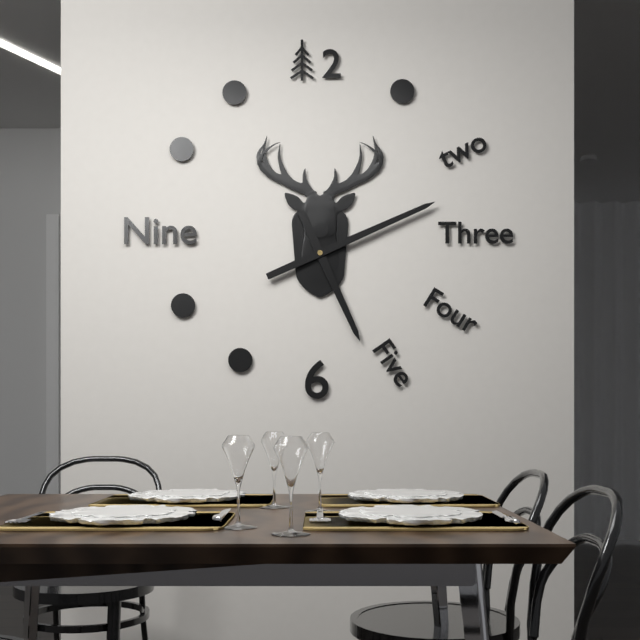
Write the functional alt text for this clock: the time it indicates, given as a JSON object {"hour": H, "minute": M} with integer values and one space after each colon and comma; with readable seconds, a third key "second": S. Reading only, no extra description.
{"hour": 5, "minute": 11}
